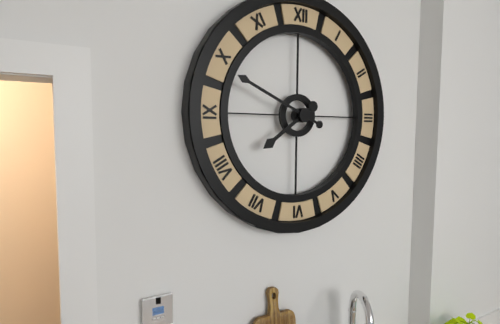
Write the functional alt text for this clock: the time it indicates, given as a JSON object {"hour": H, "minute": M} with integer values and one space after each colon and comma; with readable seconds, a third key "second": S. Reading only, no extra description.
{"hour": 7, "minute": 49}
